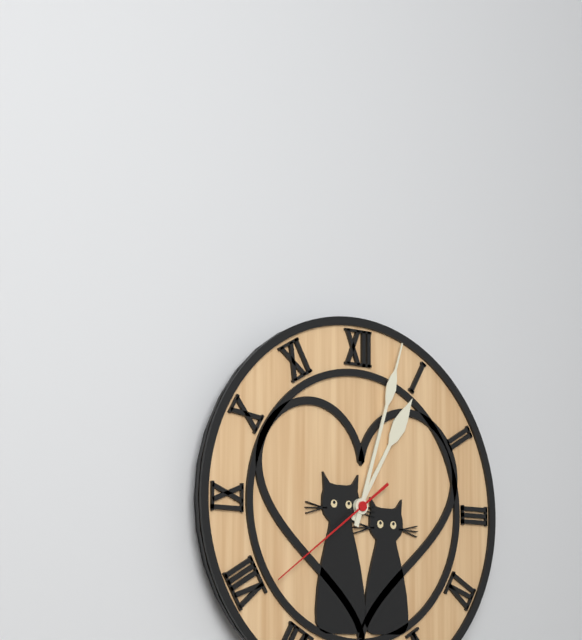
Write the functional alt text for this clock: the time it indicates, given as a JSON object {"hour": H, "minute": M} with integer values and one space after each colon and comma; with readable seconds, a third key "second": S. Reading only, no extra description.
{"hour": 1, "minute": 3, "second": 39}
